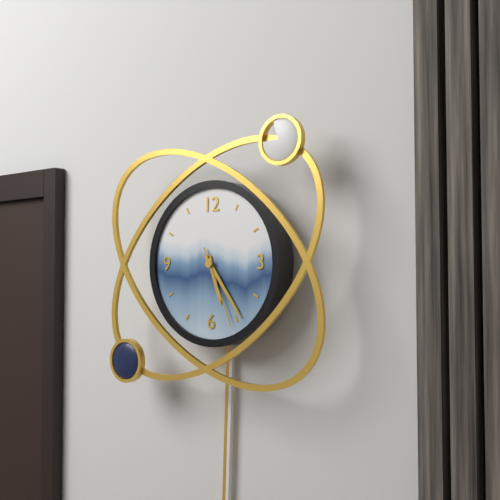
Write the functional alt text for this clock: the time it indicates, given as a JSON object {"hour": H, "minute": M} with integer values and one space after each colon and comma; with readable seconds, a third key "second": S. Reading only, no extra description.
{"hour": 5, "minute": 24, "second": 26}
